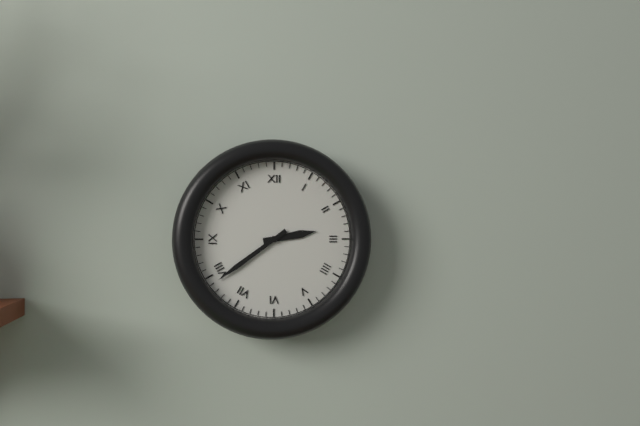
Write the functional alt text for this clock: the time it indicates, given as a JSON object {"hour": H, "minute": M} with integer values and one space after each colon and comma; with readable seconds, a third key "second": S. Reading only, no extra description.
{"hour": 2, "minute": 39}
